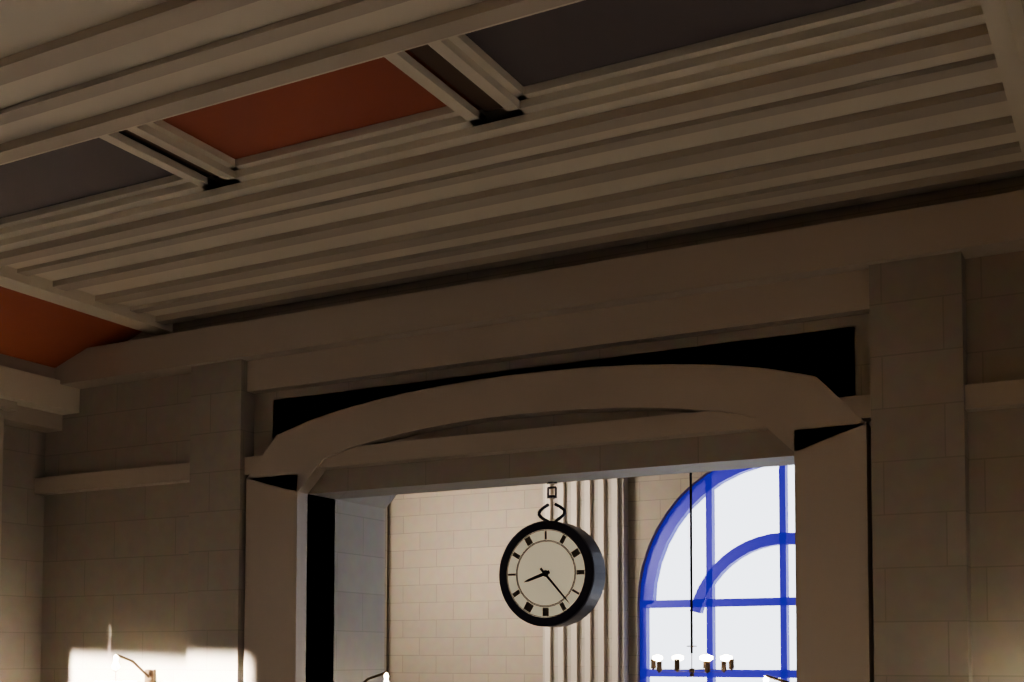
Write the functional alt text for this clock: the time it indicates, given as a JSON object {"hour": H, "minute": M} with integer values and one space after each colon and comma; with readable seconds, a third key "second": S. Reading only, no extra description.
{"hour": 8, "minute": 23}
